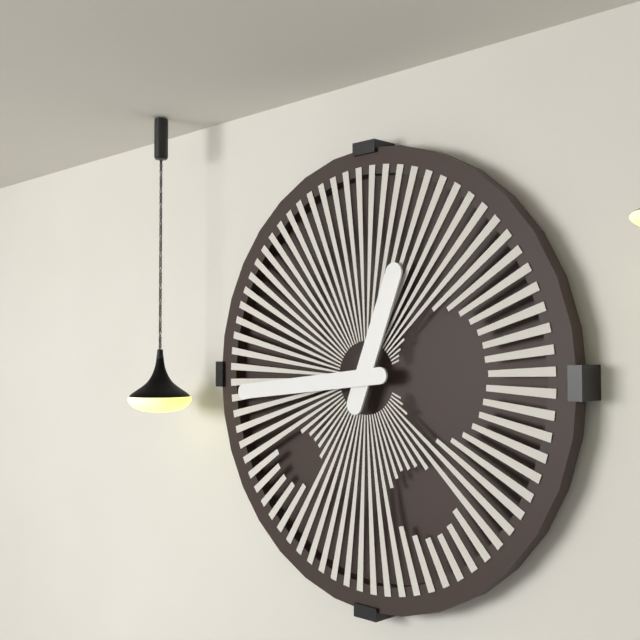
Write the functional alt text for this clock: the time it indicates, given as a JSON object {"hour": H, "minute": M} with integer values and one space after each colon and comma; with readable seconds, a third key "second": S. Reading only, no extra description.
{"hour": 12, "minute": 44}
